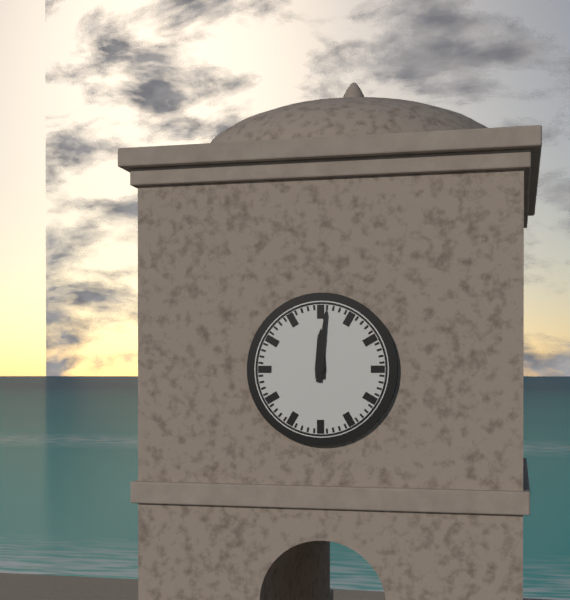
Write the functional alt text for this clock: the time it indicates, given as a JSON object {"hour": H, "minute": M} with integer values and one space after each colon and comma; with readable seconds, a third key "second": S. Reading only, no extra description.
{"hour": 12, "minute": 1}
